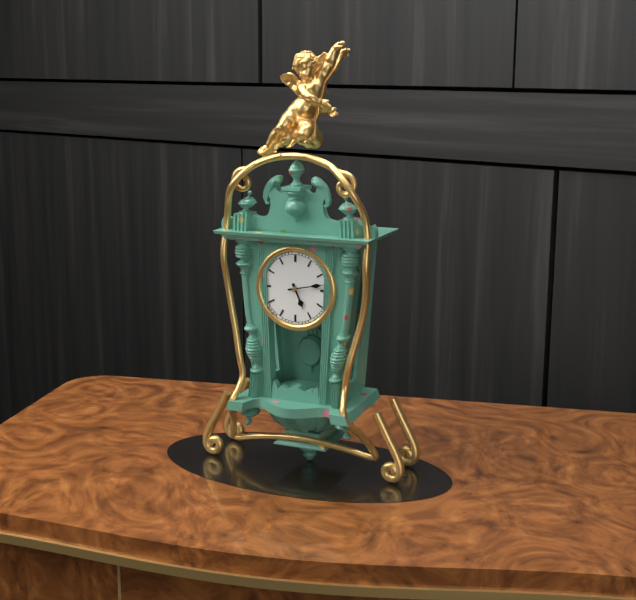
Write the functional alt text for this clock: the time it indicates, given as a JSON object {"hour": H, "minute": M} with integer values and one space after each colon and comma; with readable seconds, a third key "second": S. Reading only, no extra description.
{"hour": 5, "minute": 13}
